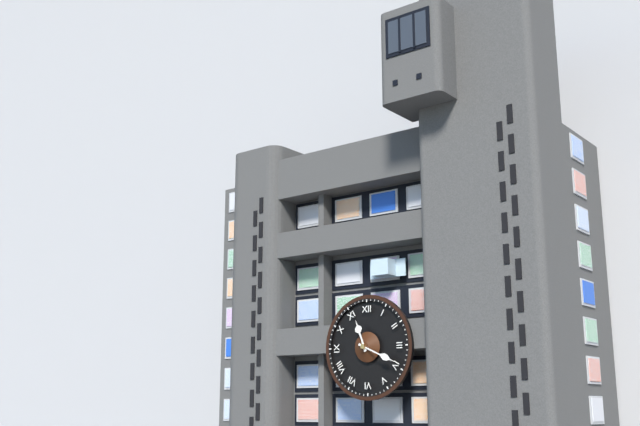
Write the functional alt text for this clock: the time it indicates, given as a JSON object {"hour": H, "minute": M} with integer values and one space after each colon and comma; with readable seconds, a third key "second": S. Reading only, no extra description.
{"hour": 11, "minute": 19}
